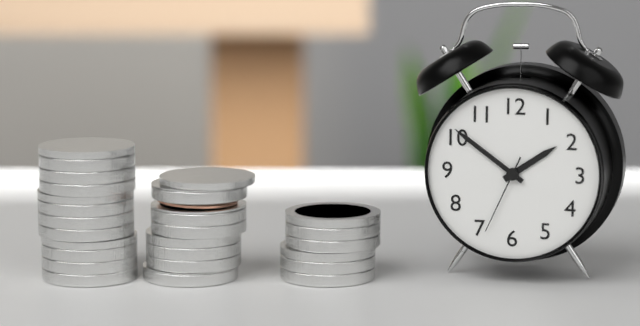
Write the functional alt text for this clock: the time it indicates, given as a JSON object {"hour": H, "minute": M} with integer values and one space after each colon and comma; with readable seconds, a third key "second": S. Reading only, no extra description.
{"hour": 1, "minute": 51, "second": 34}
